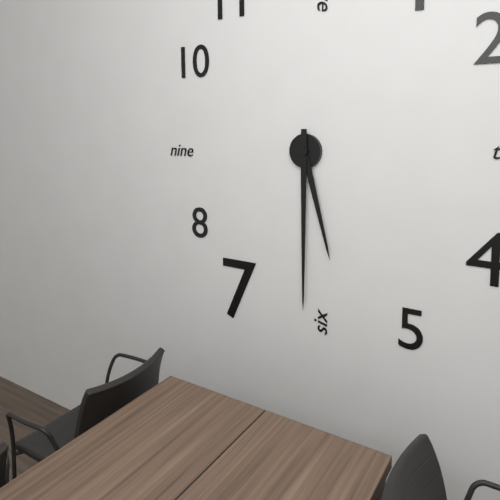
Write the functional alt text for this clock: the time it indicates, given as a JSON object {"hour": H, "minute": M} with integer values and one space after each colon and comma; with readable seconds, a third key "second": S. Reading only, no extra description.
{"hour": 5, "minute": 30}
